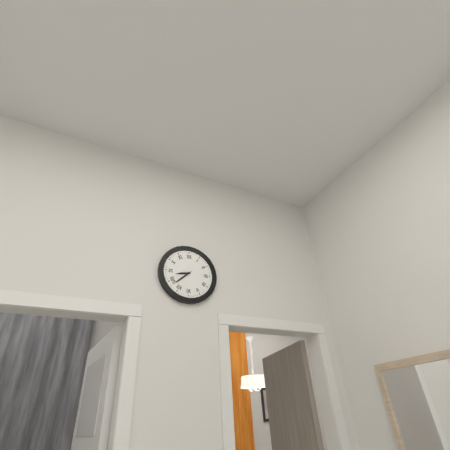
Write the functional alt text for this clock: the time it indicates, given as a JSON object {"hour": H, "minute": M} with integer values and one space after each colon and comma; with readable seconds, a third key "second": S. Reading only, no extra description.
{"hour": 8, "minute": 38}
